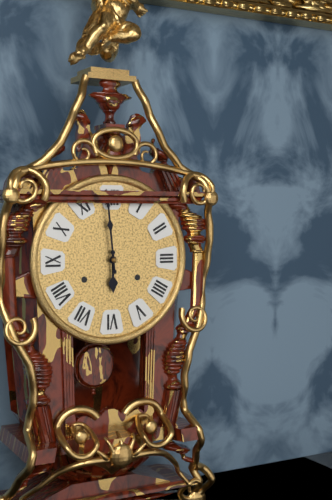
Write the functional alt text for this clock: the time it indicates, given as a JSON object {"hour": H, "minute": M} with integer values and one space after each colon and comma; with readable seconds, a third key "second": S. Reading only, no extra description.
{"hour": 5, "minute": 59}
